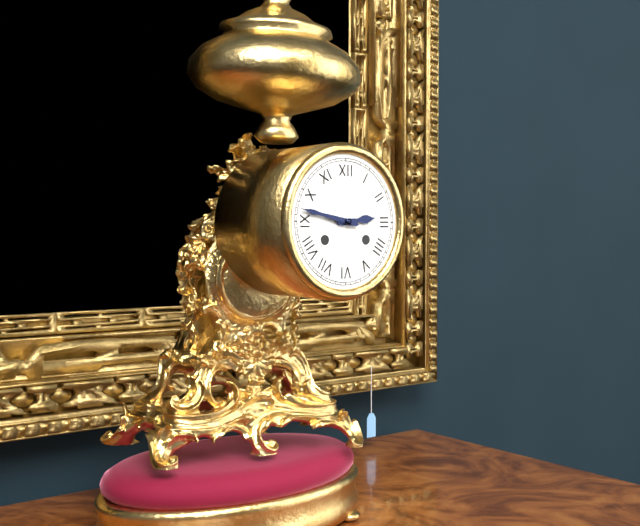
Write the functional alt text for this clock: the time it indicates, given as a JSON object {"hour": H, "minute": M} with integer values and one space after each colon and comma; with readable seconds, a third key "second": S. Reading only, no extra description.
{"hour": 2, "minute": 47}
